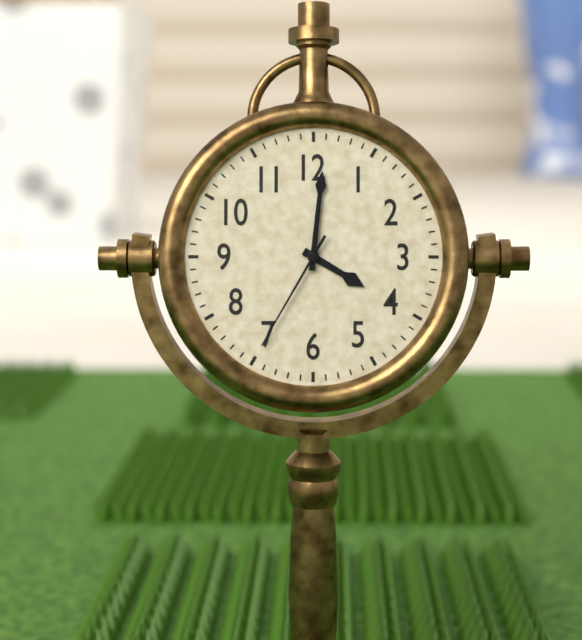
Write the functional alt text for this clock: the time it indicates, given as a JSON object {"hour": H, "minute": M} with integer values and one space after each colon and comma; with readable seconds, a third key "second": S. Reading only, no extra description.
{"hour": 4, "minute": 1, "second": 35}
